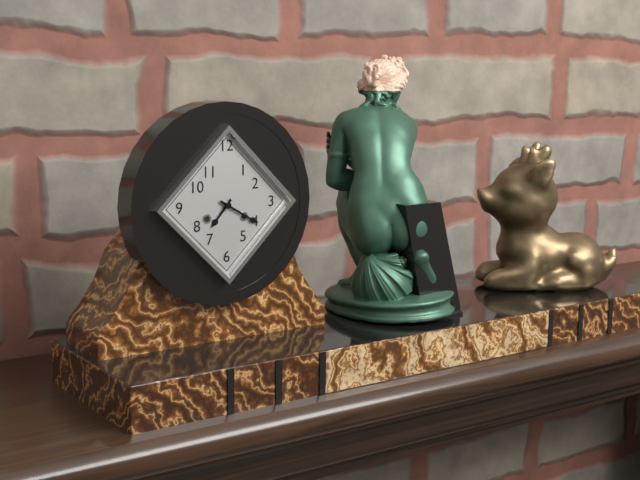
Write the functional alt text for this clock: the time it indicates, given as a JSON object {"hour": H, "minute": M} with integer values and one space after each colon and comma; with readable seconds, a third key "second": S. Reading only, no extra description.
{"hour": 7, "minute": 20}
